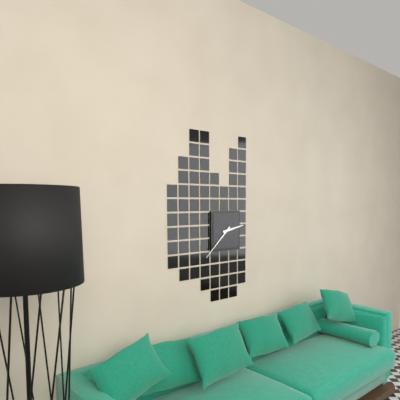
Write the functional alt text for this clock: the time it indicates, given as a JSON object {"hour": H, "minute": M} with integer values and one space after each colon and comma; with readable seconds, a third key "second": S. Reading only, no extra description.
{"hour": 2, "minute": 38}
